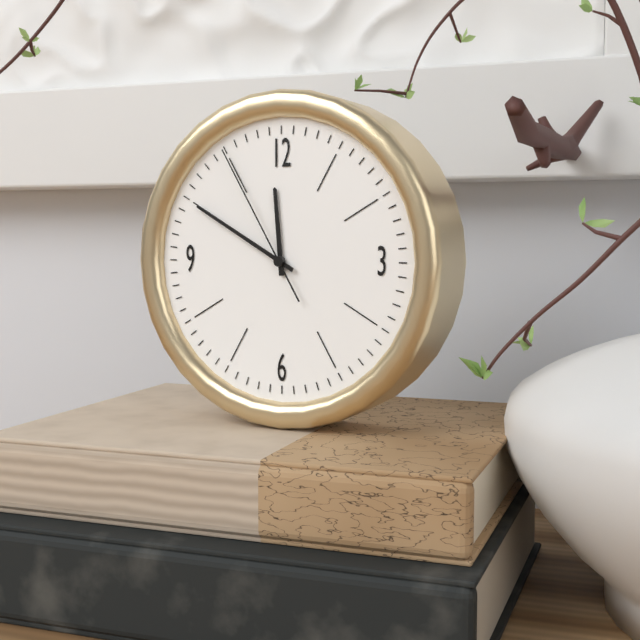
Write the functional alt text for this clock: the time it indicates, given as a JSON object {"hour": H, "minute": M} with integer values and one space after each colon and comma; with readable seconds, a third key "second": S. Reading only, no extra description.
{"hour": 11, "minute": 50, "second": 55}
